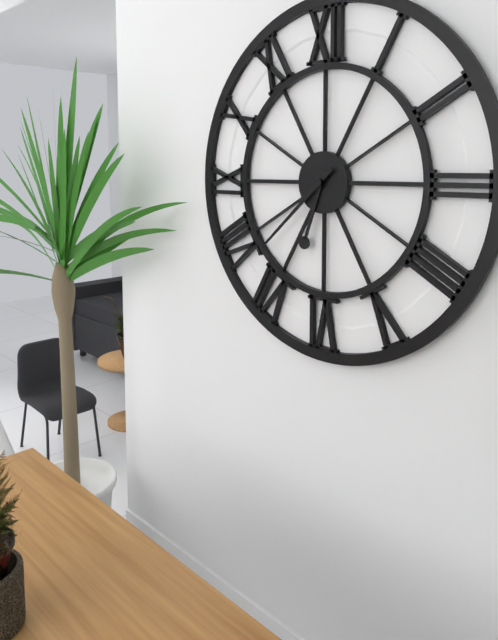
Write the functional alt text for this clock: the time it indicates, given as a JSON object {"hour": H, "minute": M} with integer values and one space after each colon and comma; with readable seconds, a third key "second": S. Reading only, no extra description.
{"hour": 6, "minute": 38}
